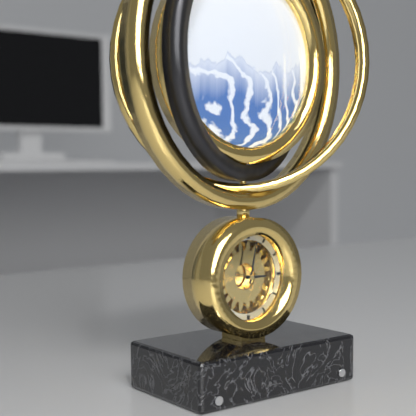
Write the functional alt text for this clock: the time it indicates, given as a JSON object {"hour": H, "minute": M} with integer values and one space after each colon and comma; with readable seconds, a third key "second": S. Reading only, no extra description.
{"hour": 3, "minute": 2}
